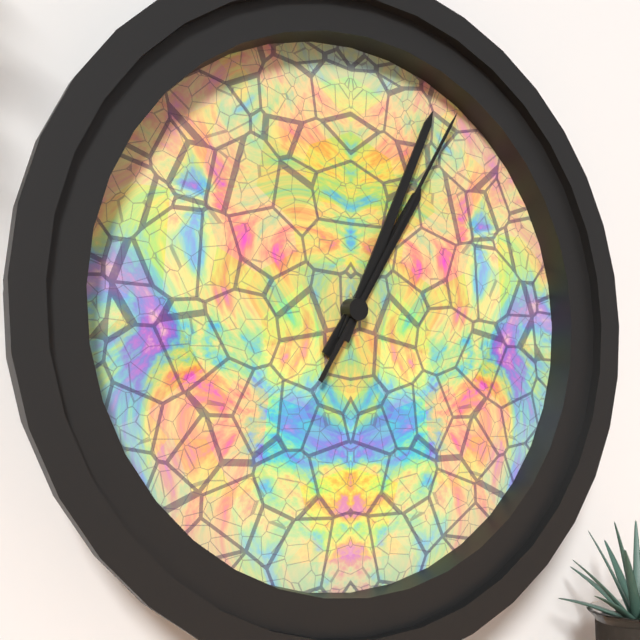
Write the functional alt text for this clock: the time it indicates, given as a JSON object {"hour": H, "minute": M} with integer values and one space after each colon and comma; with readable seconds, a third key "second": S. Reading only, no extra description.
{"hour": 1, "minute": 4, "second": 5}
